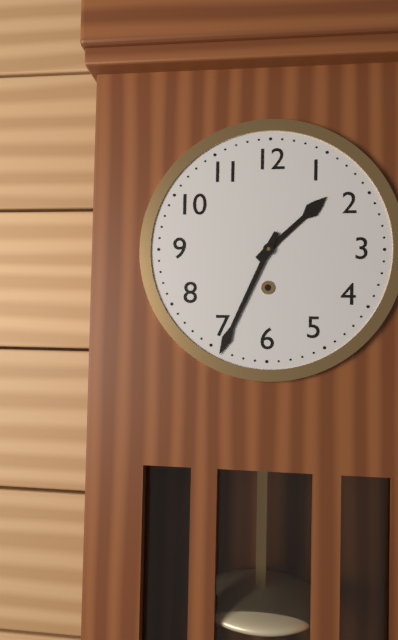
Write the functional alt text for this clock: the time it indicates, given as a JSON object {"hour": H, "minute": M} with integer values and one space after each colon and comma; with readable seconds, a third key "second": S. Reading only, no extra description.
{"hour": 1, "minute": 34}
